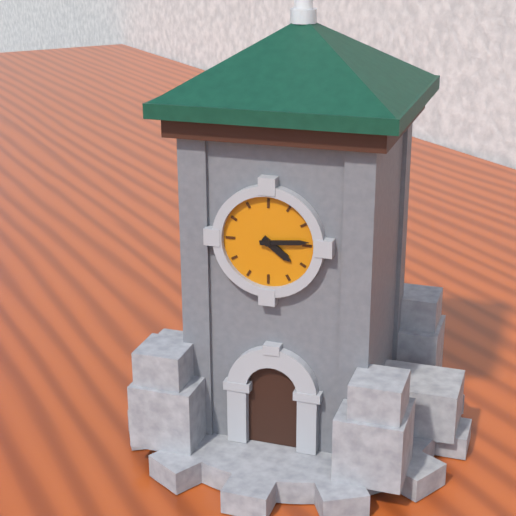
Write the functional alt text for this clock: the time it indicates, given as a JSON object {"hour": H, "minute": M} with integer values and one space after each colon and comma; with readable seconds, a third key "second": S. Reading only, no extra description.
{"hour": 4, "minute": 14}
